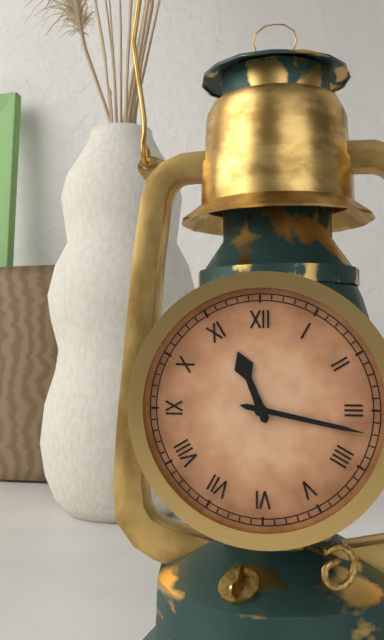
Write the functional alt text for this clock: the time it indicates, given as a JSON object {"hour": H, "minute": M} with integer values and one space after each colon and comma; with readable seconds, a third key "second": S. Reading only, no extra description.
{"hour": 11, "minute": 17}
